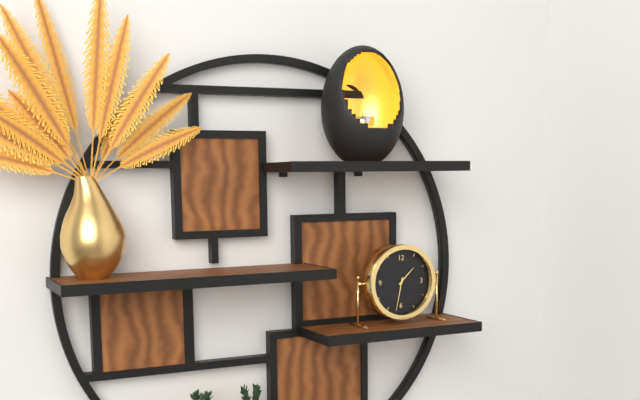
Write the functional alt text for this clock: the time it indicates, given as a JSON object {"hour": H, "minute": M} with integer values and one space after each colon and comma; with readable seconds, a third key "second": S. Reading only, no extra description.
{"hour": 1, "minute": 32}
